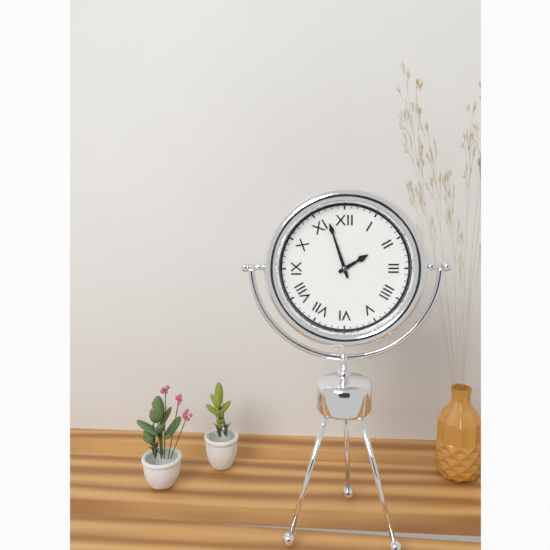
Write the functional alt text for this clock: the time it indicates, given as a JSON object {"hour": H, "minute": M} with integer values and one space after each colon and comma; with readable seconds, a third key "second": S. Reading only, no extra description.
{"hour": 1, "minute": 57}
